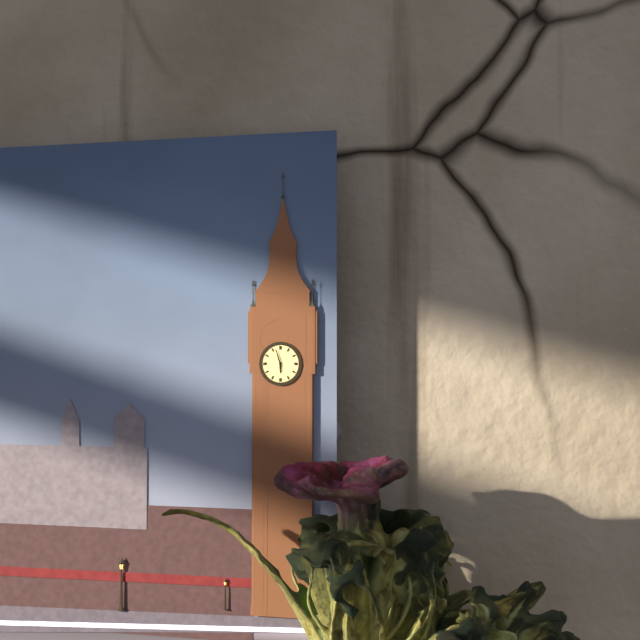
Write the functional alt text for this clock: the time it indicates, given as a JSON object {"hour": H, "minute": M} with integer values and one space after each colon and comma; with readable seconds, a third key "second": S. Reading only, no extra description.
{"hour": 5, "minute": 57}
